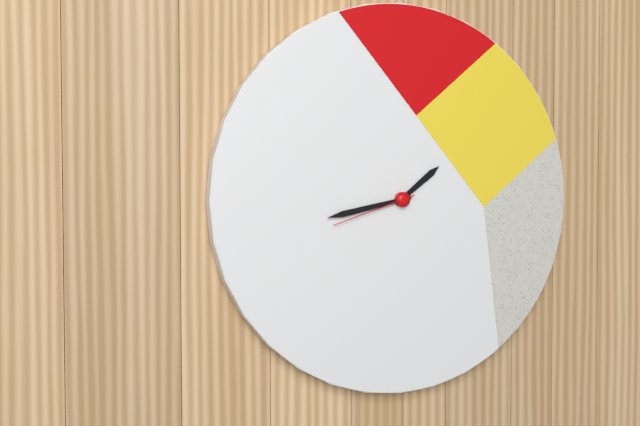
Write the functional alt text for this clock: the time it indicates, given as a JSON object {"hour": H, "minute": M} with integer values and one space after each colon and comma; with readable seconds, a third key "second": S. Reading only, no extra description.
{"hour": 1, "minute": 43, "second": 42}
